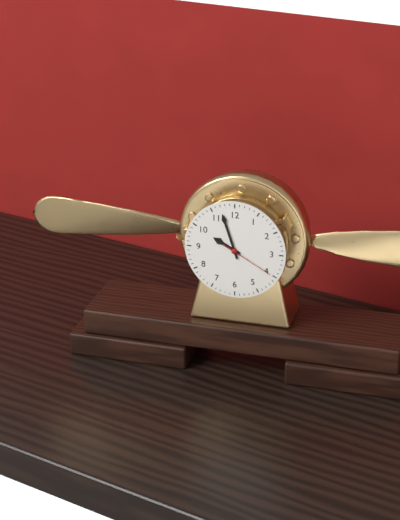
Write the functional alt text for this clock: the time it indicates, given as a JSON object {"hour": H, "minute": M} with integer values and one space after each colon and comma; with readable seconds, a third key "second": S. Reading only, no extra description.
{"hour": 9, "minute": 57, "second": 20}
